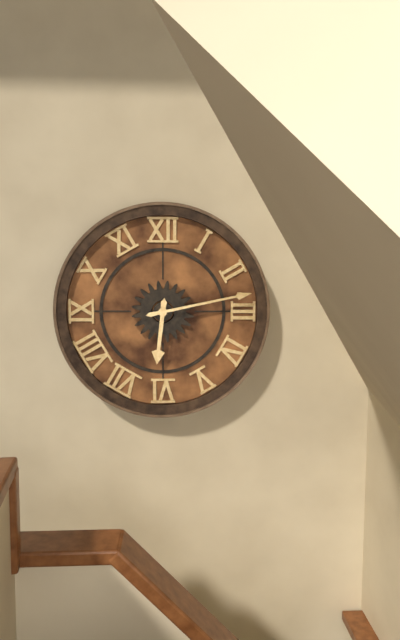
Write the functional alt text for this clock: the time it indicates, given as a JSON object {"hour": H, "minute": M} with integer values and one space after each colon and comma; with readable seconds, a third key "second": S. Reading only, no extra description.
{"hour": 6, "minute": 13}
